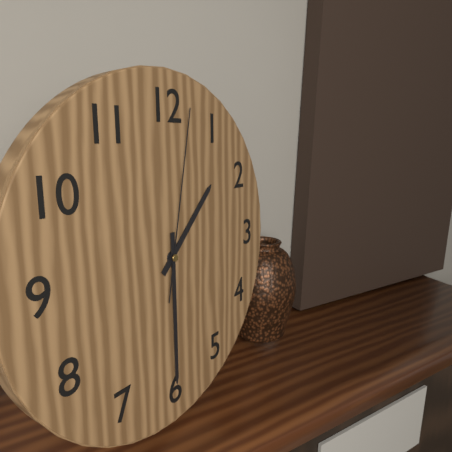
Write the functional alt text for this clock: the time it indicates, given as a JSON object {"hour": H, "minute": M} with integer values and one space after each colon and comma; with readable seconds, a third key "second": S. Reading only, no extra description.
{"hour": 1, "minute": 30, "second": 2}
